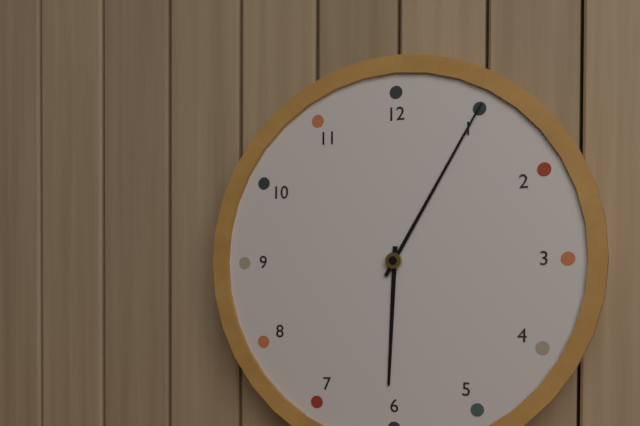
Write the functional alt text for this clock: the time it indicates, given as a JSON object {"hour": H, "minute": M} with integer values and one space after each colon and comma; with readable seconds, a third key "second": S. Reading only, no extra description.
{"hour": 6, "minute": 5}
